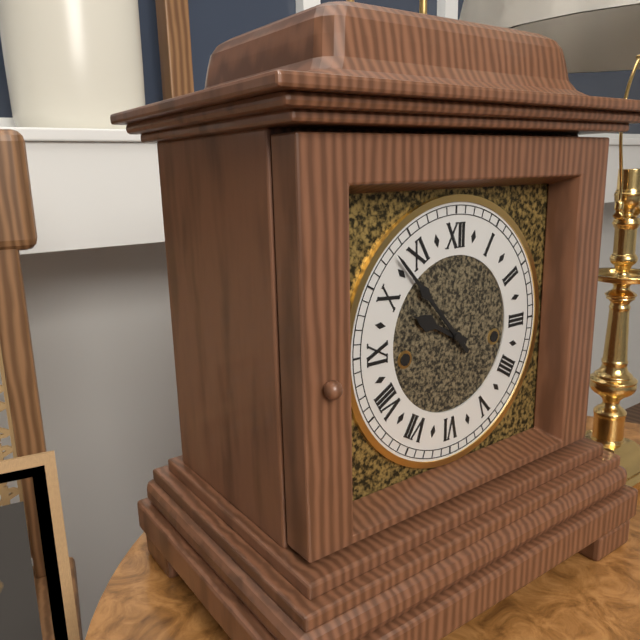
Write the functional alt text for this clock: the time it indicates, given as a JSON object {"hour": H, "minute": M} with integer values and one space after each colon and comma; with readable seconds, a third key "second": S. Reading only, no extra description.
{"hour": 9, "minute": 53}
